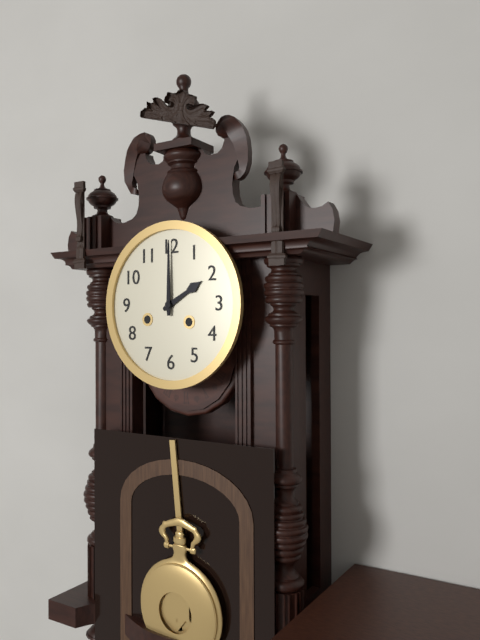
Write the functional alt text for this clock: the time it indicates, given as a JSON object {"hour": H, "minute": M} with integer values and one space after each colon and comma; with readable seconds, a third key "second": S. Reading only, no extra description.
{"hour": 2, "minute": 0}
